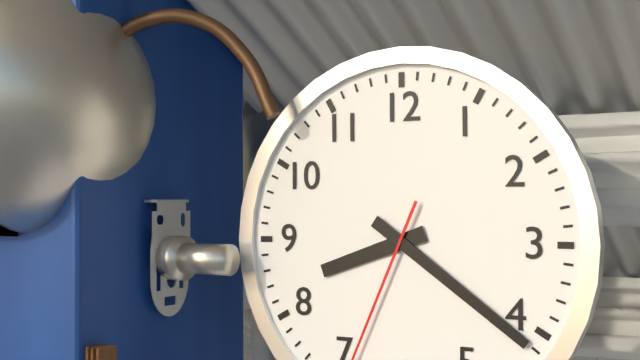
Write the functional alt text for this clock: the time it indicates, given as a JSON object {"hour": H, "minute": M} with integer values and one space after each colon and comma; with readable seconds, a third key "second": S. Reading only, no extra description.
{"hour": 8, "minute": 21}
